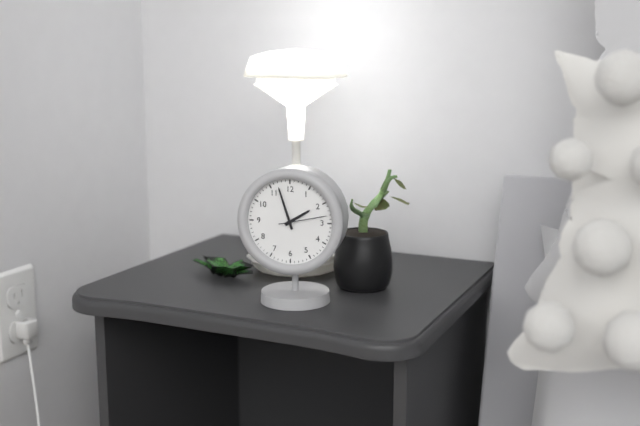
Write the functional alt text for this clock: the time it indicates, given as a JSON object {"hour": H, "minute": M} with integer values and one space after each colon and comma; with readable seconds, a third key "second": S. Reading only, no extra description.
{"hour": 1, "minute": 57}
